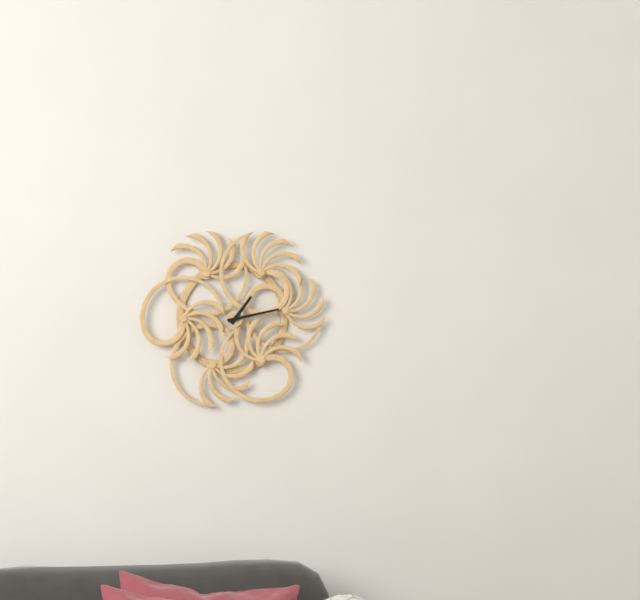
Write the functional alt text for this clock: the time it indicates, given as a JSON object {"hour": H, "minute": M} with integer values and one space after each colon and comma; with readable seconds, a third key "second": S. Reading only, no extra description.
{"hour": 1, "minute": 13}
